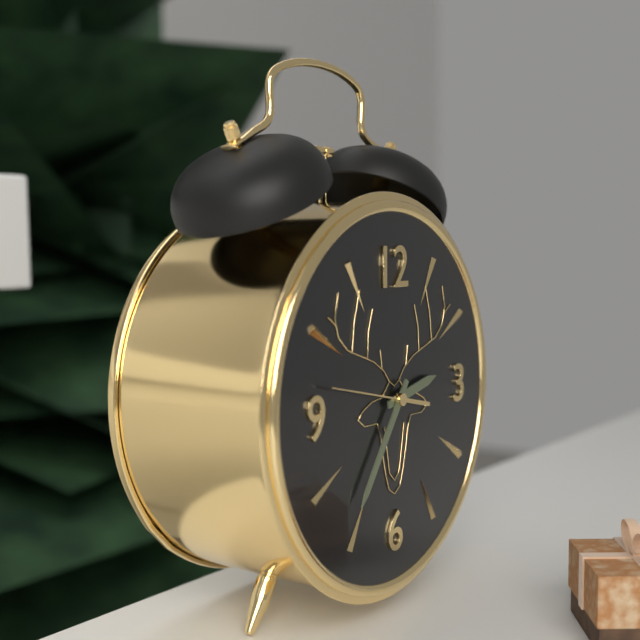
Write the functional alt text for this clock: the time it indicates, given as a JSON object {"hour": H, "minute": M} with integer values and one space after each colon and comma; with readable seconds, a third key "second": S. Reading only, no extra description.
{"hour": 2, "minute": 36, "second": 47}
